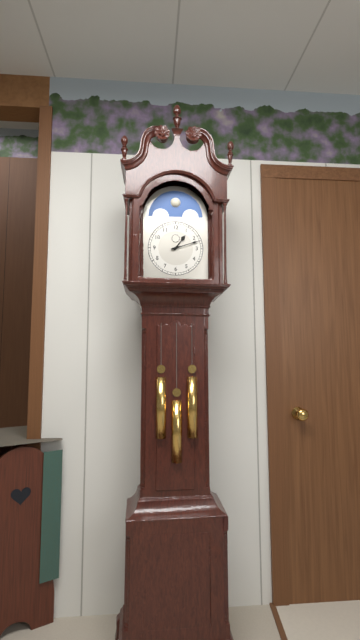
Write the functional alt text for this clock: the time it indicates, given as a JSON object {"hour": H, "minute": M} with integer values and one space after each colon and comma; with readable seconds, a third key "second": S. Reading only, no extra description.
{"hour": 1, "minute": 12}
